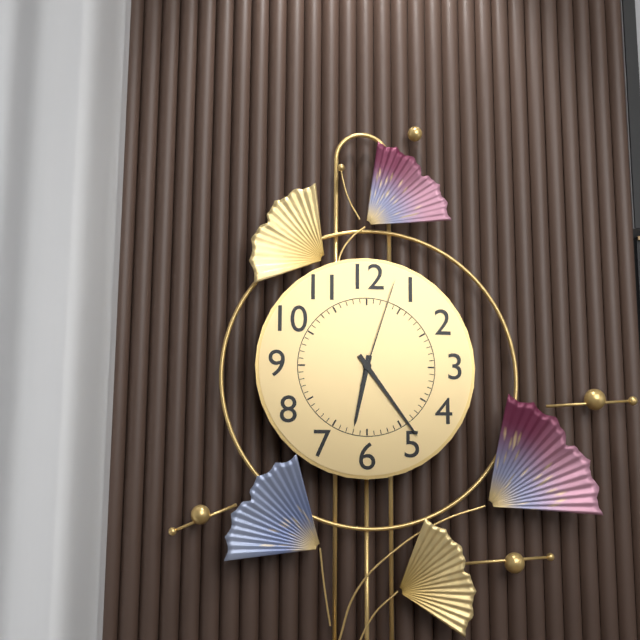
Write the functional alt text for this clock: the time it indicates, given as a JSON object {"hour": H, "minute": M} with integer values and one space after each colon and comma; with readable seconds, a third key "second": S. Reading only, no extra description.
{"hour": 6, "minute": 24, "second": 3}
